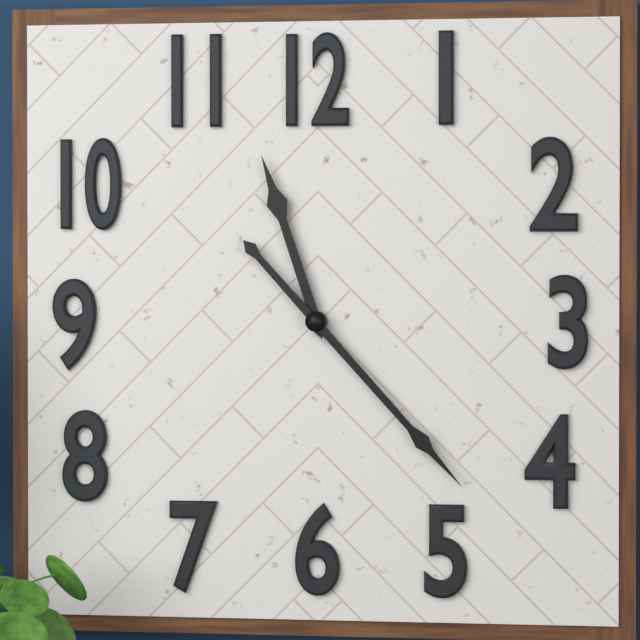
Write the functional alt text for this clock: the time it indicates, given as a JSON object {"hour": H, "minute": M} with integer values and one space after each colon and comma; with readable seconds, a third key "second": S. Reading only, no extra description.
{"hour": 11, "minute": 23}
